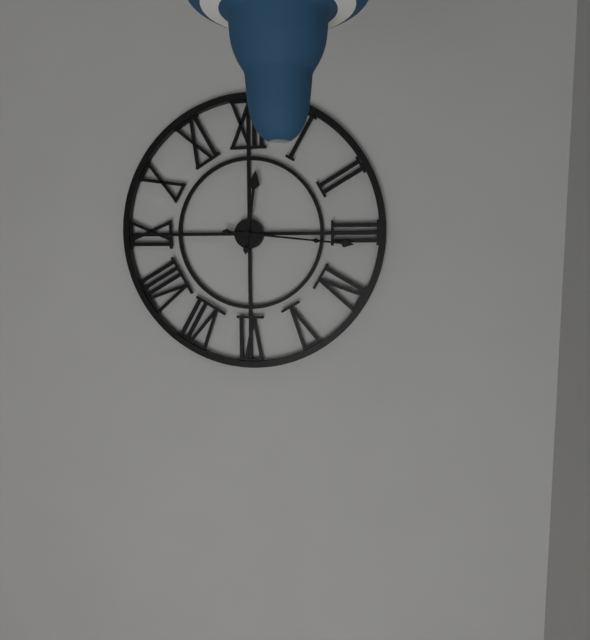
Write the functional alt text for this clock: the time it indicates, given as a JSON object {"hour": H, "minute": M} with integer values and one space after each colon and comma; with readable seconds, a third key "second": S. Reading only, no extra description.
{"hour": 12, "minute": 16}
